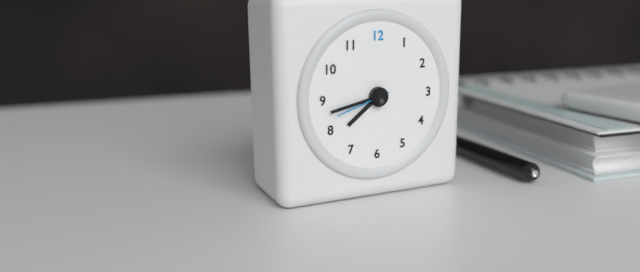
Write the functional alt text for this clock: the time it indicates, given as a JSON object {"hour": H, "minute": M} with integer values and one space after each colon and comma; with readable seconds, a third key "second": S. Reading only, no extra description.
{"hour": 7, "minute": 43, "second": 42}
